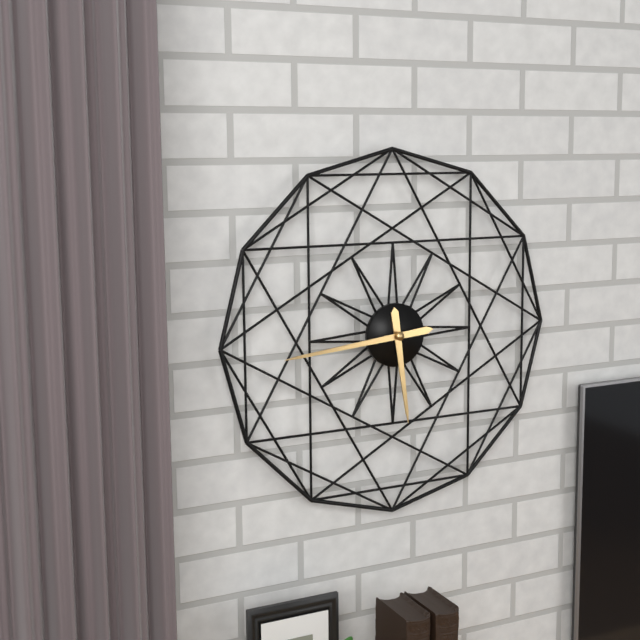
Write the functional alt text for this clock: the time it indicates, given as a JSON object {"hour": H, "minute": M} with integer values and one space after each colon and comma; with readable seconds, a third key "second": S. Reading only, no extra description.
{"hour": 5, "minute": 44}
